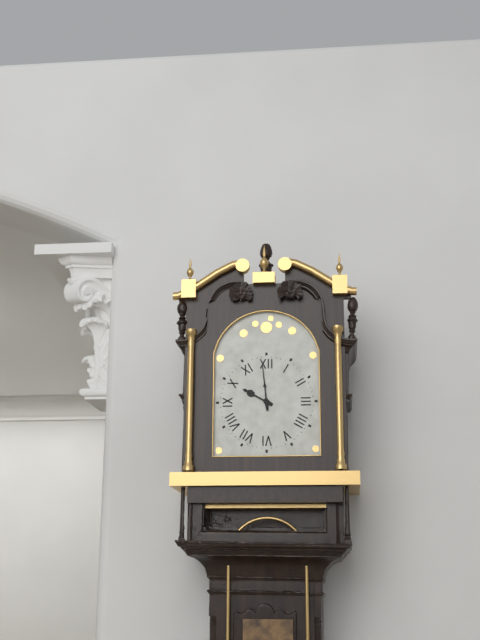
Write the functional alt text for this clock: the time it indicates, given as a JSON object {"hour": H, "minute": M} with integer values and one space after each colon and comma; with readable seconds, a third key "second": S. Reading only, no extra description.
{"hour": 9, "minute": 59}
